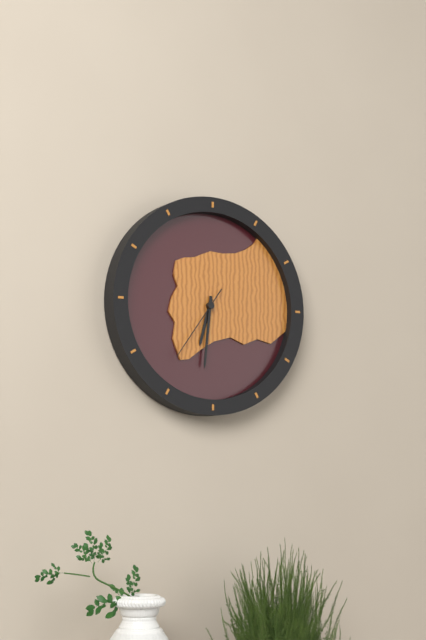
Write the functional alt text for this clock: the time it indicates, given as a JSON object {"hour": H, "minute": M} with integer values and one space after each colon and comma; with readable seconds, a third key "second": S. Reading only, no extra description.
{"hour": 6, "minute": 31, "second": 36}
